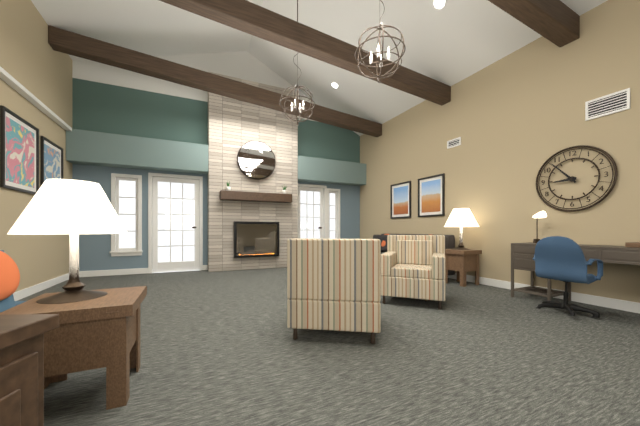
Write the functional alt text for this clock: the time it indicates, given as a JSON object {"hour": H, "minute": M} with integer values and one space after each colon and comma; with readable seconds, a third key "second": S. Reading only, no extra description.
{"hour": 8, "minute": 53}
